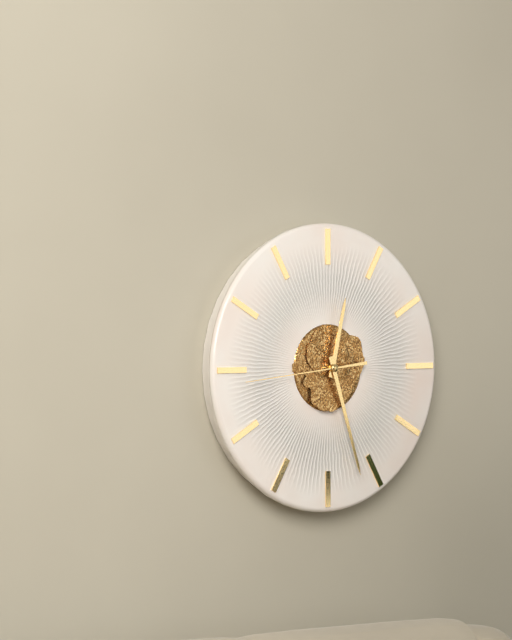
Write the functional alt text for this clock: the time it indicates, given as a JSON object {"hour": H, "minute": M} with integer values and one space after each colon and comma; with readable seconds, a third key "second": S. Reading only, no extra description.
{"hour": 12, "minute": 27, "second": 44}
